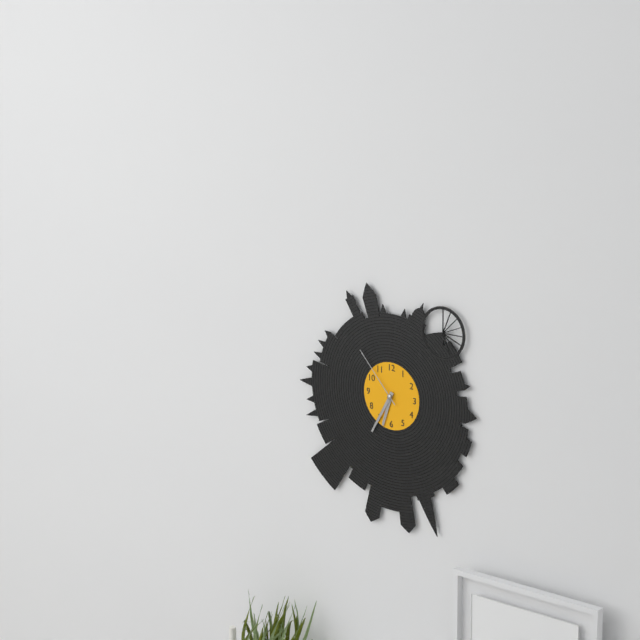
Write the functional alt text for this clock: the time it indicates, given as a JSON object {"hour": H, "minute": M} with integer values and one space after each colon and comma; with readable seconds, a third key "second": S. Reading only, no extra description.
{"hour": 6, "minute": 35, "second": 53}
